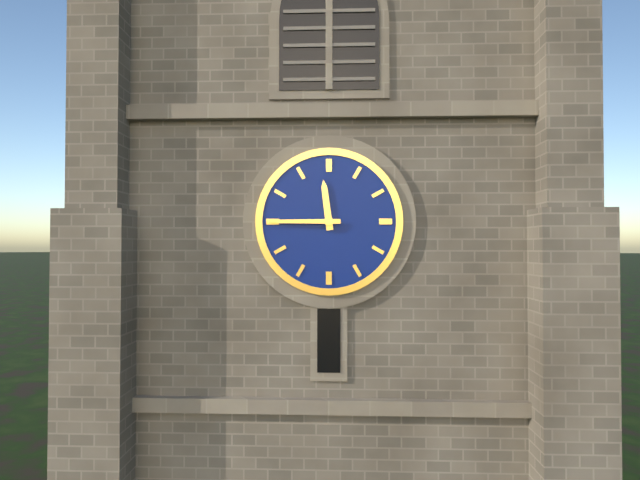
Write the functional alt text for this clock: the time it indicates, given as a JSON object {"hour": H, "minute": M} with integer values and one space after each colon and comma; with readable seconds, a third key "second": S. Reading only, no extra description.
{"hour": 11, "minute": 45}
